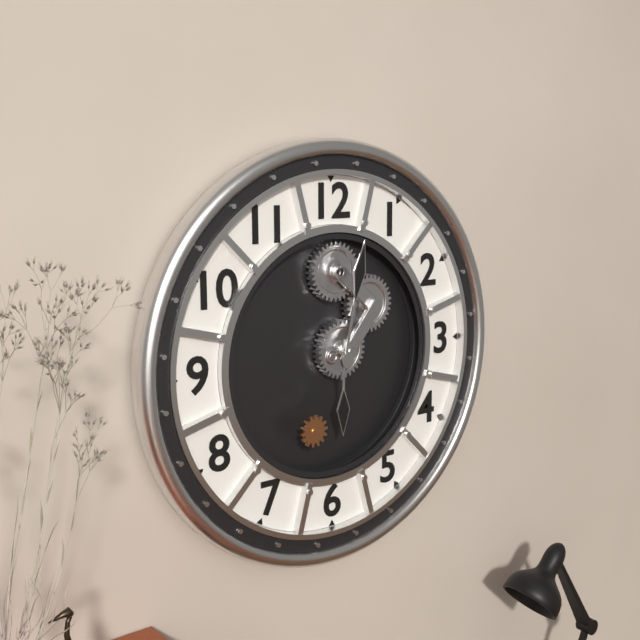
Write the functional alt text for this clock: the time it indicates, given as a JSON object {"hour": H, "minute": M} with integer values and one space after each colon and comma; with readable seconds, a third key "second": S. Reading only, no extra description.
{"hour": 6, "minute": 2}
